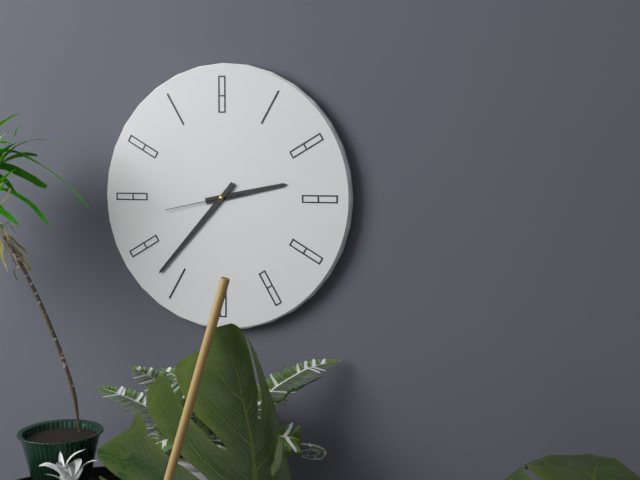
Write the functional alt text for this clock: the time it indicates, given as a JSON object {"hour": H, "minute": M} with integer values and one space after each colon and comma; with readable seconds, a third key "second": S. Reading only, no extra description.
{"hour": 2, "minute": 37, "second": 43}
